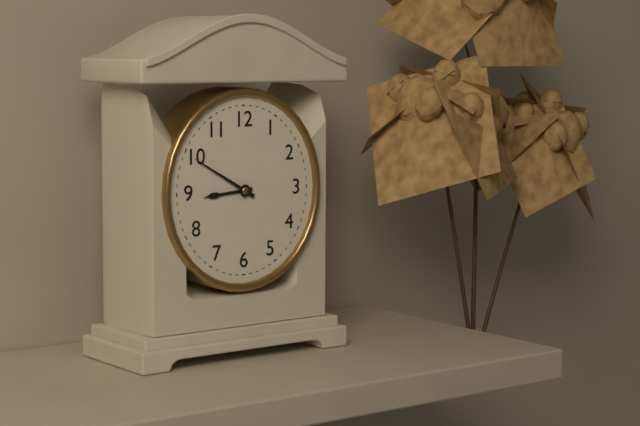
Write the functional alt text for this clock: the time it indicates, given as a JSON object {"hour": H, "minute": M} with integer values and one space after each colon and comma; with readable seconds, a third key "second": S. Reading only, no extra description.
{"hour": 8, "minute": 50}
